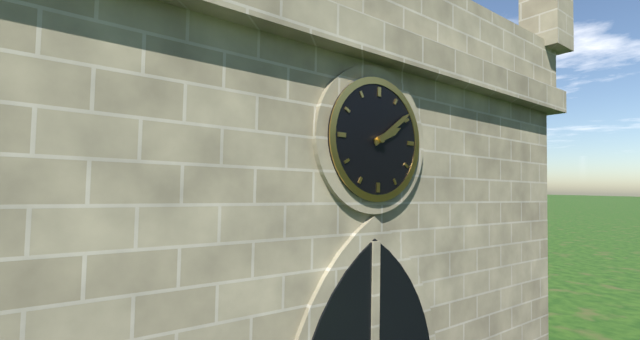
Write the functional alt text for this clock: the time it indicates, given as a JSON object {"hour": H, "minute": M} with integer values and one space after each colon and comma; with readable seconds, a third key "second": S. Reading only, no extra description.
{"hour": 2, "minute": 9}
